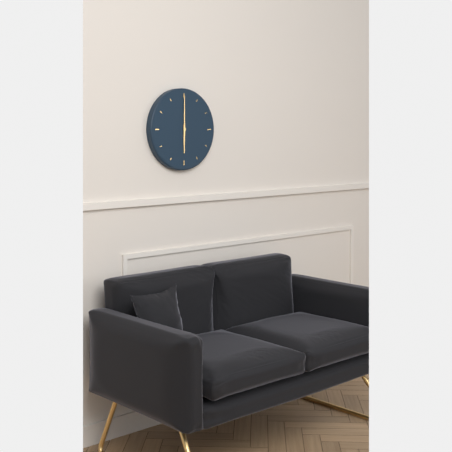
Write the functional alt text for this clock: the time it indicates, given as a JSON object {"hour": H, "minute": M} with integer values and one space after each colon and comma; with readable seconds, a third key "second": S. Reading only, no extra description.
{"hour": 6, "minute": 0}
